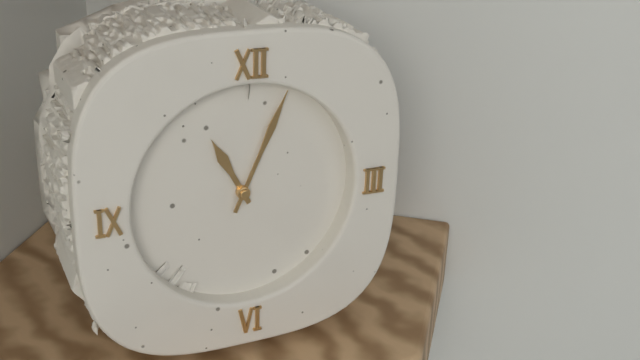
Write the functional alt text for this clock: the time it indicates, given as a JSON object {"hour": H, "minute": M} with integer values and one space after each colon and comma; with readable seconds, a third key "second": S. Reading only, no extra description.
{"hour": 11, "minute": 4}
